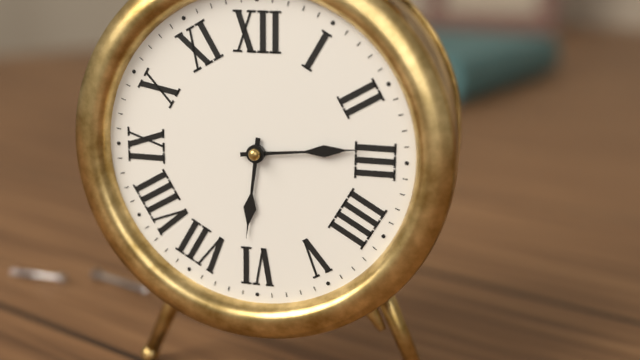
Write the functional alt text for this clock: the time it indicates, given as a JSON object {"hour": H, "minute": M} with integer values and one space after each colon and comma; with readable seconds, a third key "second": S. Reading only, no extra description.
{"hour": 6, "minute": 14}
